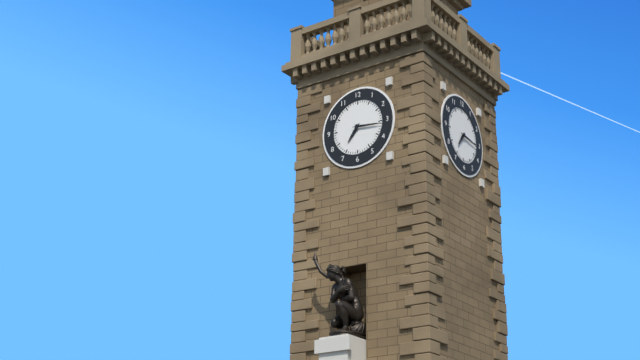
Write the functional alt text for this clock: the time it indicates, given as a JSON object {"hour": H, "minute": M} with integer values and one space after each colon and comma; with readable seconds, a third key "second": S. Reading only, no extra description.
{"hour": 7, "minute": 16}
